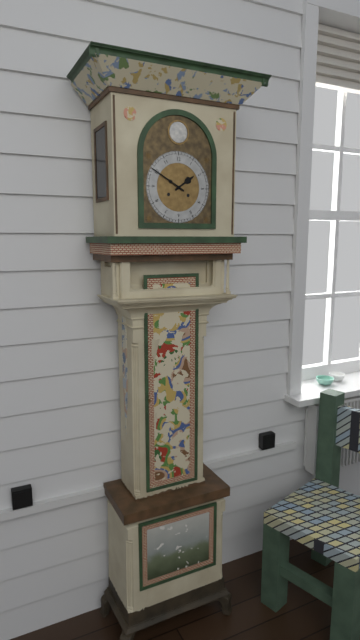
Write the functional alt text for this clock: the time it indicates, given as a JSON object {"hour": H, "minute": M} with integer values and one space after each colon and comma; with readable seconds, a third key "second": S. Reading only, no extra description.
{"hour": 1, "minute": 50}
